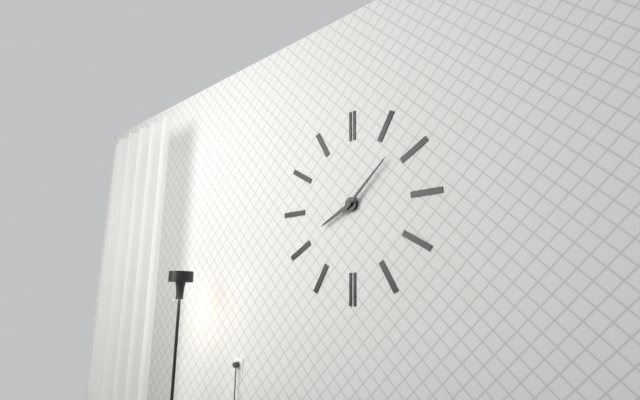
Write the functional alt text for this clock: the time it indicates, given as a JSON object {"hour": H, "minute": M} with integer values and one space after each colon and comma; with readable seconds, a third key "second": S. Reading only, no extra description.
{"hour": 8, "minute": 8}
